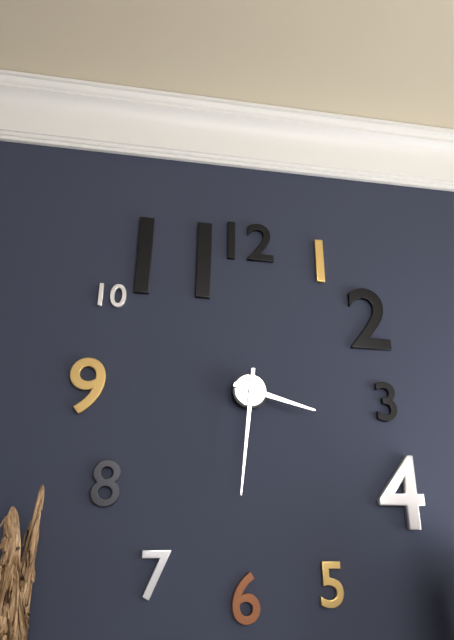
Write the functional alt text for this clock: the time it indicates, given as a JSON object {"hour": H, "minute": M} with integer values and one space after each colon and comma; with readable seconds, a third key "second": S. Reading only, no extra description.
{"hour": 3, "minute": 31}
